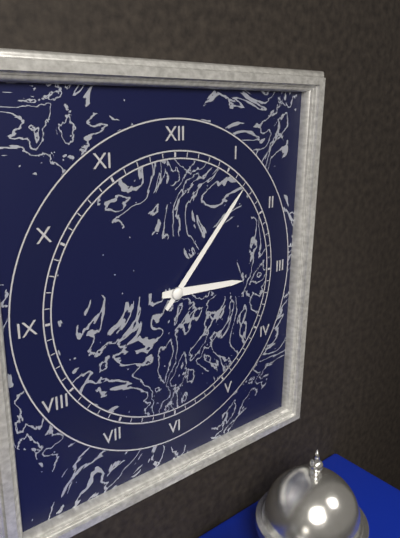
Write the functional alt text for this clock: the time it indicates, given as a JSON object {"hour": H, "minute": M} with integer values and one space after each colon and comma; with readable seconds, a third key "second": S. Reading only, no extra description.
{"hour": 3, "minute": 7}
